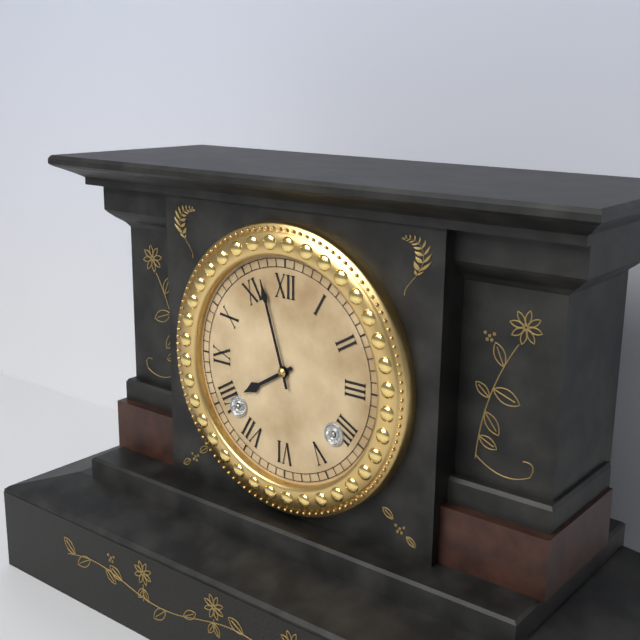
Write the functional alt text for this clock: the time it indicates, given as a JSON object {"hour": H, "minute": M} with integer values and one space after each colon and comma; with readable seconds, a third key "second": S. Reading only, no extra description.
{"hour": 7, "minute": 57}
